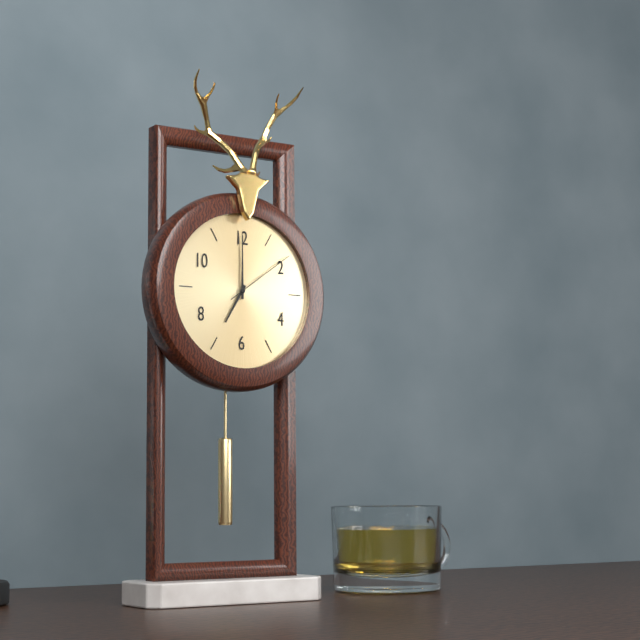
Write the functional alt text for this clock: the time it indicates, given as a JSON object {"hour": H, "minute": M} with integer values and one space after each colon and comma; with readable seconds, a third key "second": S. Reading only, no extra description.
{"hour": 7, "minute": 0, "second": 9}
